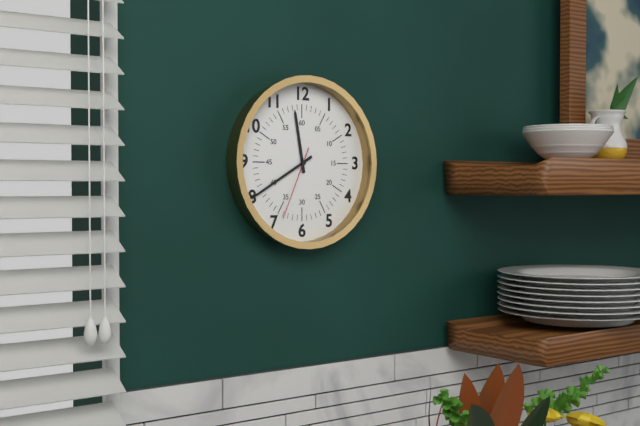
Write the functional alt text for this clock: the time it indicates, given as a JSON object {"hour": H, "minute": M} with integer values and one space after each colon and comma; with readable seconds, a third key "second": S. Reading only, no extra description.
{"hour": 11, "minute": 40, "second": 34}
